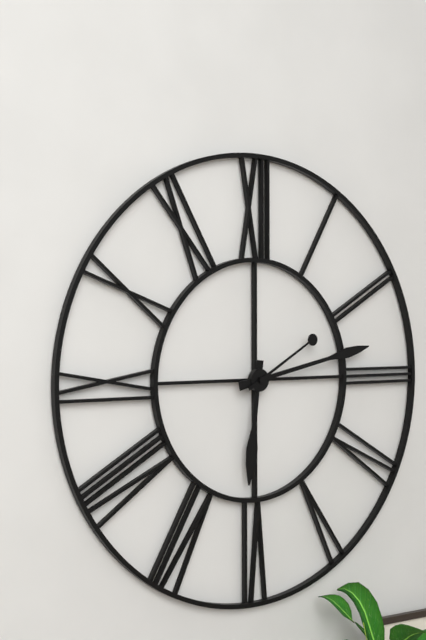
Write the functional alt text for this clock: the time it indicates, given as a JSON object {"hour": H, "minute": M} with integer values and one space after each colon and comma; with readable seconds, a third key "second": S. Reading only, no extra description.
{"hour": 6, "minute": 13, "second": 10}
